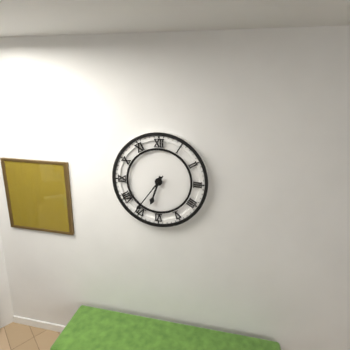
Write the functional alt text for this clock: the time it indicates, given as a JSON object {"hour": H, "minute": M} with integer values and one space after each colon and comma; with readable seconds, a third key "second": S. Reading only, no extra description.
{"hour": 6, "minute": 36}
